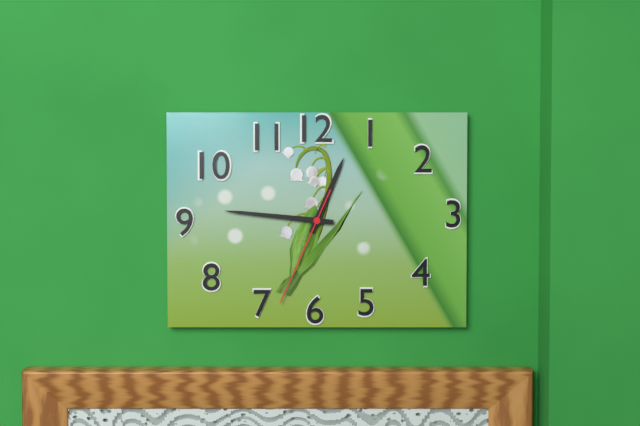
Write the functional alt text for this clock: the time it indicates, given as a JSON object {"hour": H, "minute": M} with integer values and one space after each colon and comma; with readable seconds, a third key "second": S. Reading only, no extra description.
{"hour": 12, "minute": 46, "second": 34}
